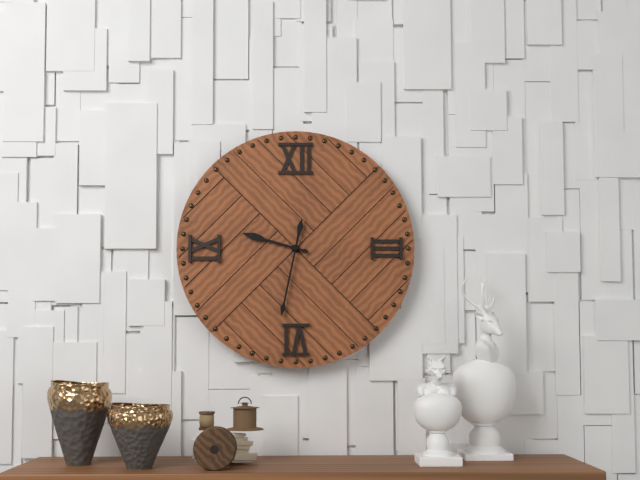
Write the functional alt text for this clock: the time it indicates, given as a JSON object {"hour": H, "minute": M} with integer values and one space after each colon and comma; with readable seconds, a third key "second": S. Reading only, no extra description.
{"hour": 9, "minute": 32}
